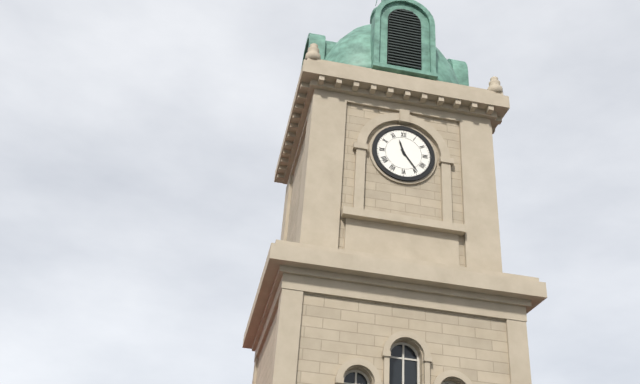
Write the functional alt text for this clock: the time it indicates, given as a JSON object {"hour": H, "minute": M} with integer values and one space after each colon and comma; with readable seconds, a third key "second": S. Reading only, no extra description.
{"hour": 11, "minute": 24}
